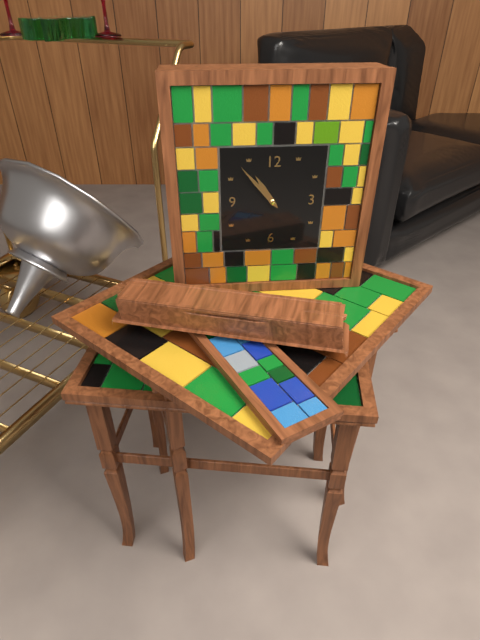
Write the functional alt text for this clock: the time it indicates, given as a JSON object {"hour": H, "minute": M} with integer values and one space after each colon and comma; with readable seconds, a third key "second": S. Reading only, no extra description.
{"hour": 10, "minute": 53}
